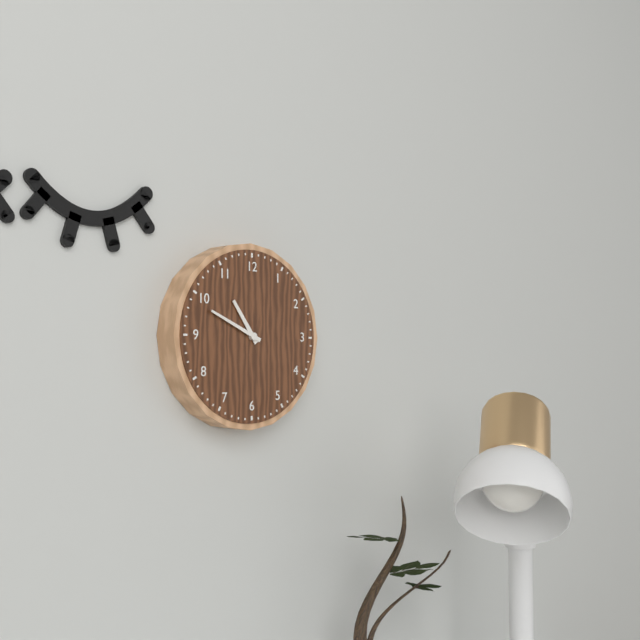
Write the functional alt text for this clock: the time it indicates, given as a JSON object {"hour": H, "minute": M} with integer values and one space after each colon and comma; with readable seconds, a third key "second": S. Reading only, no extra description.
{"hour": 10, "minute": 49}
